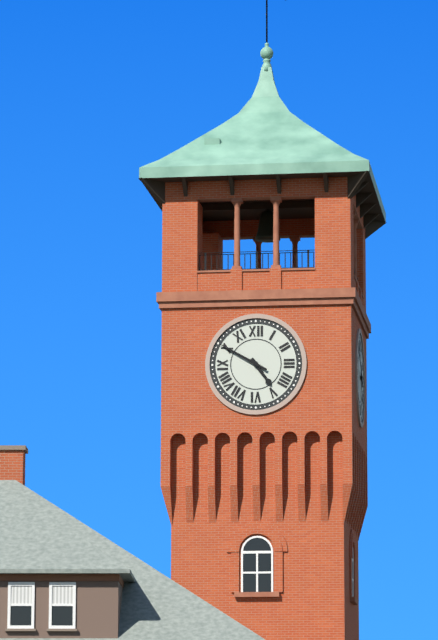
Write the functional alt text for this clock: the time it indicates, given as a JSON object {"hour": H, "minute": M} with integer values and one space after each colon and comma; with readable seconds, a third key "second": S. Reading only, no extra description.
{"hour": 4, "minute": 50}
